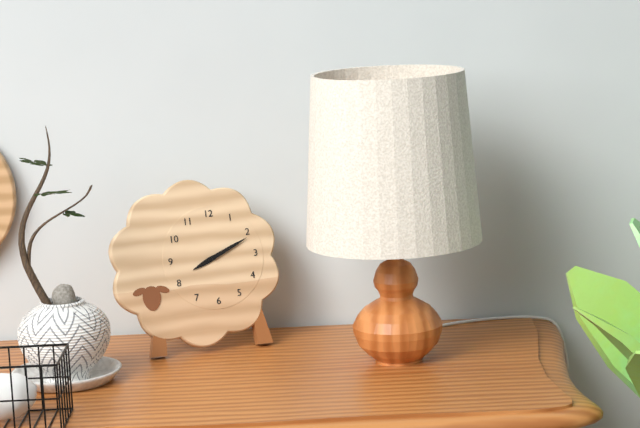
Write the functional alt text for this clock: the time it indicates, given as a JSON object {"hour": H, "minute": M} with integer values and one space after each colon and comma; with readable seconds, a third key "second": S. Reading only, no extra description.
{"hour": 8, "minute": 11}
